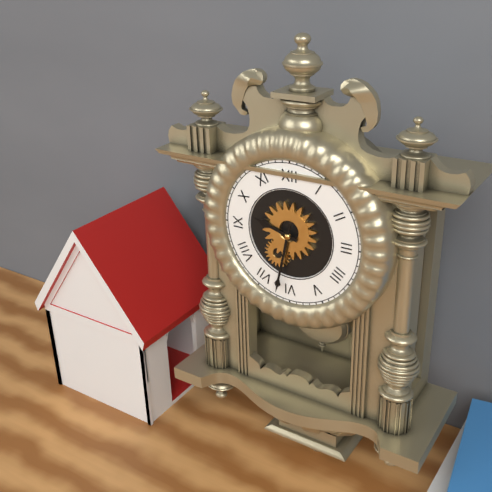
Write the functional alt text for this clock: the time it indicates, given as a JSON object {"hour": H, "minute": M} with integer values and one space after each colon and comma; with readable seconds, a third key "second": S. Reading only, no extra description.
{"hour": 9, "minute": 32}
